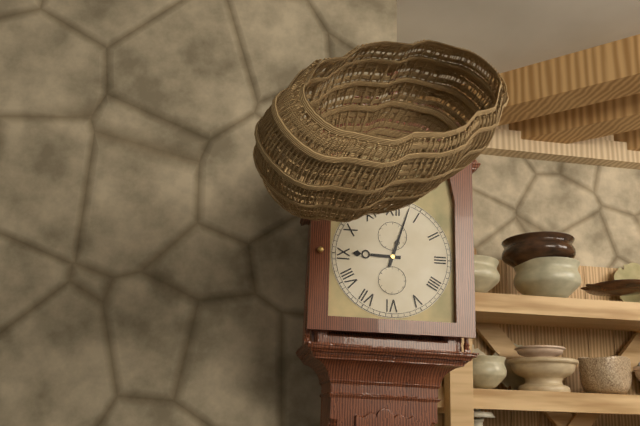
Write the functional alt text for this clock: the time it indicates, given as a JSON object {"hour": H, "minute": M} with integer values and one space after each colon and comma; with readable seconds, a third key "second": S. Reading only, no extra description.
{"hour": 9, "minute": 3}
